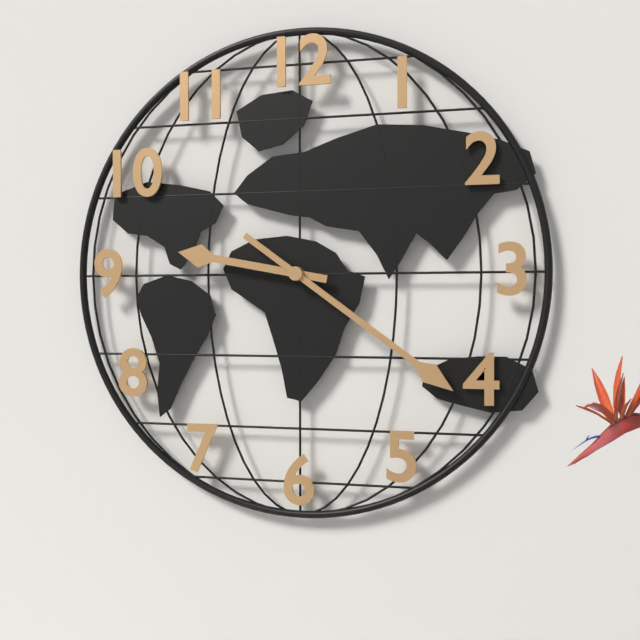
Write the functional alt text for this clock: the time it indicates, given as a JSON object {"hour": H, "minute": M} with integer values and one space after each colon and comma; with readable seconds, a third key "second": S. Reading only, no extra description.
{"hour": 9, "minute": 21}
